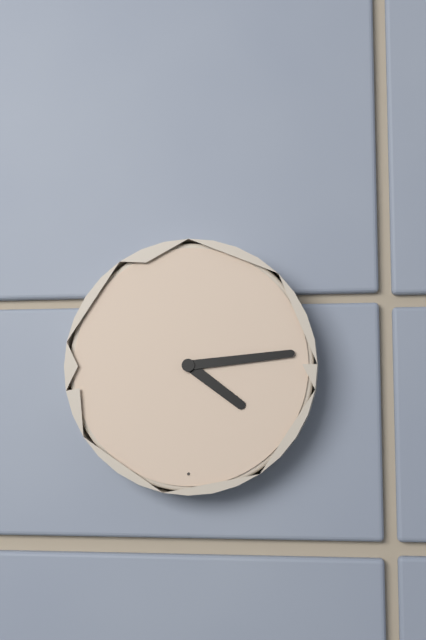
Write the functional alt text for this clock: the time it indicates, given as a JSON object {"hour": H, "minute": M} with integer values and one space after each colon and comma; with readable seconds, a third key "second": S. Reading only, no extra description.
{"hour": 4, "minute": 14}
